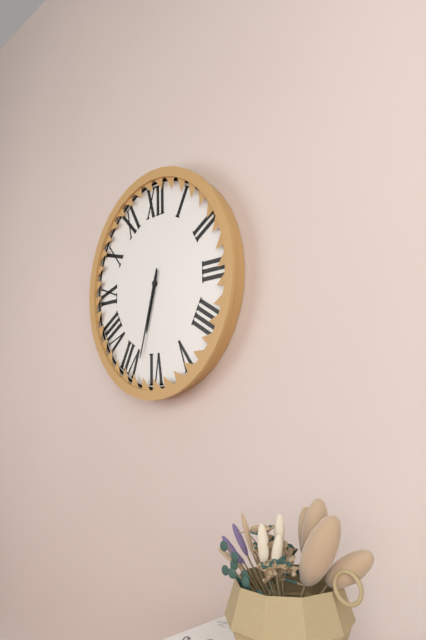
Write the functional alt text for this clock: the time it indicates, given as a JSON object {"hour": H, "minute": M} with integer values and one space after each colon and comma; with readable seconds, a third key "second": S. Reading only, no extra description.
{"hour": 6, "minute": 33}
